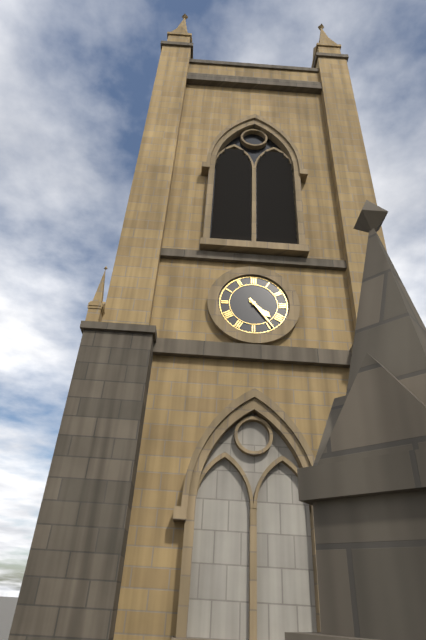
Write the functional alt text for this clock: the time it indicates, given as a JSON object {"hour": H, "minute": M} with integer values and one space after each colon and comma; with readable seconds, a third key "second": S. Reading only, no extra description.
{"hour": 4, "minute": 24}
